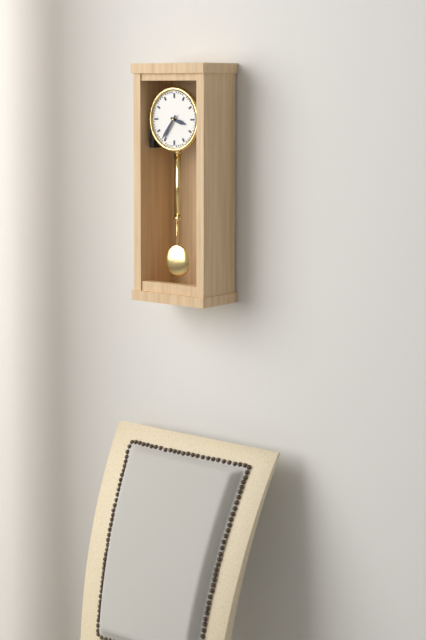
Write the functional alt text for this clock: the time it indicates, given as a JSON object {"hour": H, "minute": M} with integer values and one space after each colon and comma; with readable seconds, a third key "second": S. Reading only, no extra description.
{"hour": 3, "minute": 36}
